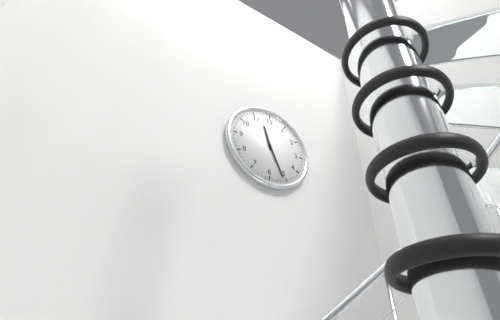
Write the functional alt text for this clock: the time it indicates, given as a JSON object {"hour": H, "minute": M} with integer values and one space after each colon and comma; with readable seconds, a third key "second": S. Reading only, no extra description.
{"hour": 11, "minute": 26}
